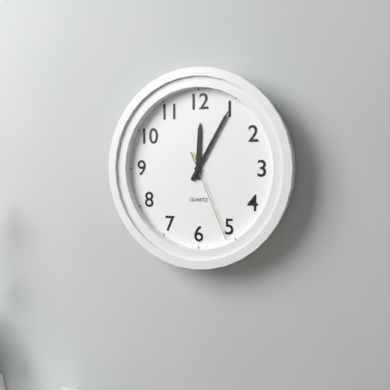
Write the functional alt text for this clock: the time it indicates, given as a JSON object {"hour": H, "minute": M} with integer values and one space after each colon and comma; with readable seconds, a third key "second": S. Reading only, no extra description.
{"hour": 12, "minute": 5, "second": 26}
